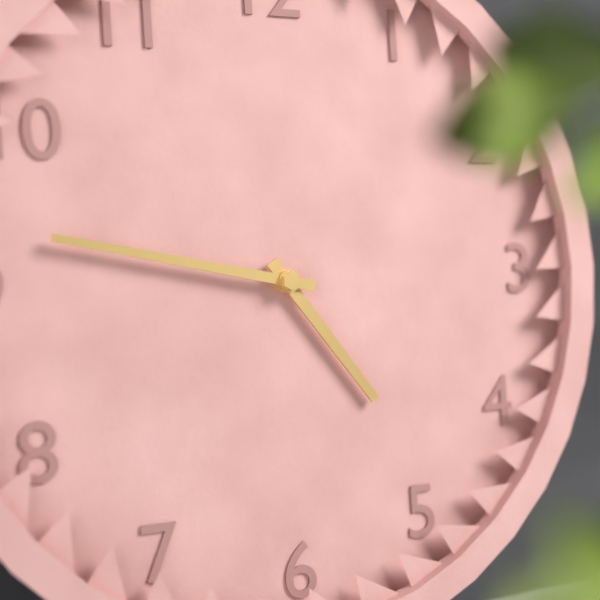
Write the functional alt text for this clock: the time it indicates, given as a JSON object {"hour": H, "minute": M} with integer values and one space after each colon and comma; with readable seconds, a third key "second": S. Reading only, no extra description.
{"hour": 4, "minute": 47}
